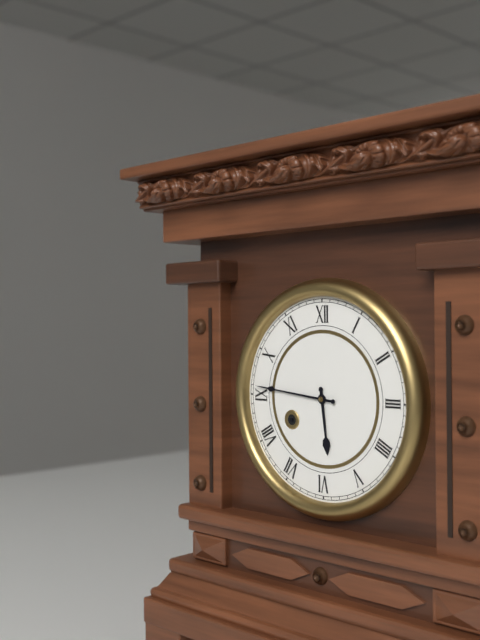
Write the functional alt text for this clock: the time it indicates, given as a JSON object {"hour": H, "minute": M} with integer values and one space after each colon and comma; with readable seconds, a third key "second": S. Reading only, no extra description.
{"hour": 5, "minute": 46}
